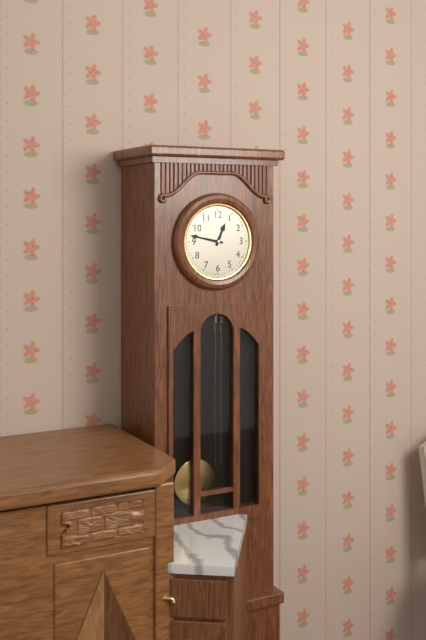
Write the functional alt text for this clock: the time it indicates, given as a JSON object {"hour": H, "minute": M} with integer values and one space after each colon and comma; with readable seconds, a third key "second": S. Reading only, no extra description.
{"hour": 12, "minute": 47}
